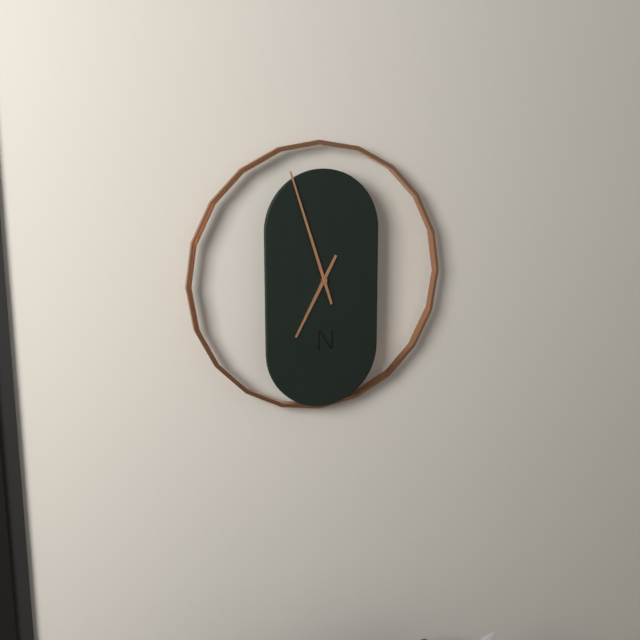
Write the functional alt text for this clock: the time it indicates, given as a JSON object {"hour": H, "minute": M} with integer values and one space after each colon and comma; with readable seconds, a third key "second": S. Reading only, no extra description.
{"hour": 6, "minute": 57}
